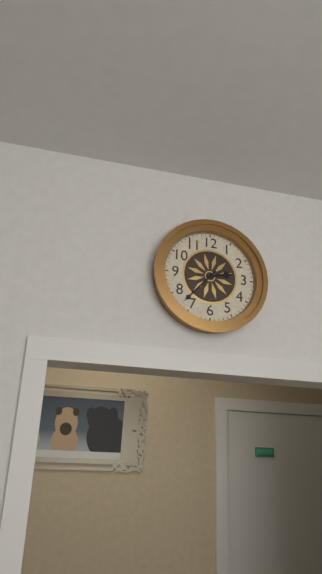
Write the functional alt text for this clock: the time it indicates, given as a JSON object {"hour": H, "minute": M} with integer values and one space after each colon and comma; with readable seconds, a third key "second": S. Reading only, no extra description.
{"hour": 2, "minute": 37}
